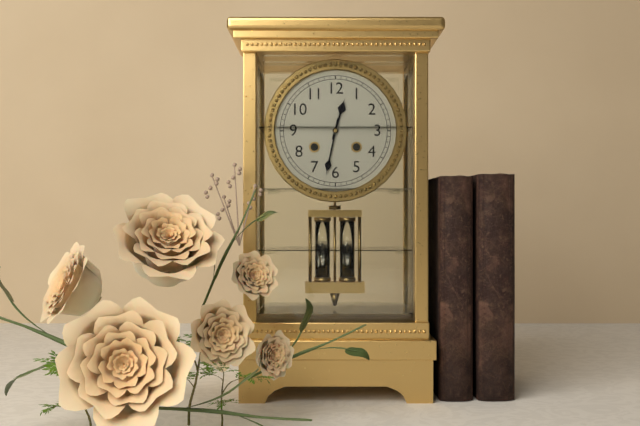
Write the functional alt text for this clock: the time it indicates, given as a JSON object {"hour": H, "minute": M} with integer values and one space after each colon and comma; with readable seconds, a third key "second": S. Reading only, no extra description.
{"hour": 12, "minute": 32}
